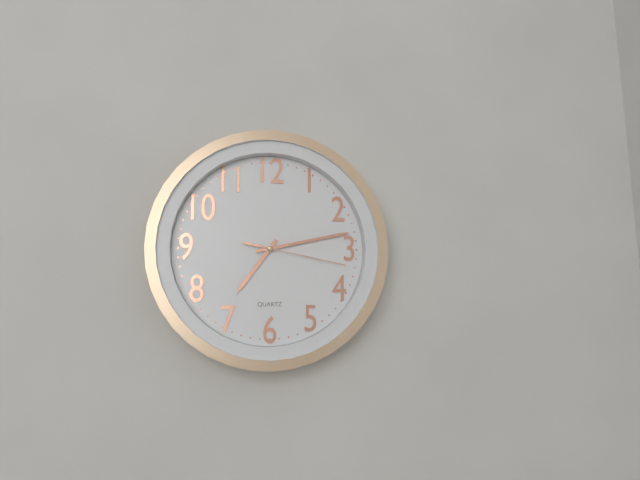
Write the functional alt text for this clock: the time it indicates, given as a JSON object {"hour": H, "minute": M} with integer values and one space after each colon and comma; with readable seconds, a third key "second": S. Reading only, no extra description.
{"hour": 7, "minute": 13, "second": 17}
